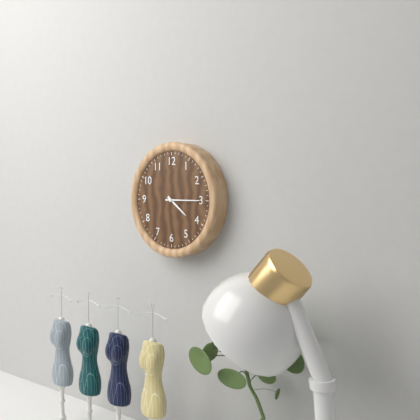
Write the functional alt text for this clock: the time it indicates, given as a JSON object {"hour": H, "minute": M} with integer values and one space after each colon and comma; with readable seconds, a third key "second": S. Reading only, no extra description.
{"hour": 4, "minute": 15}
